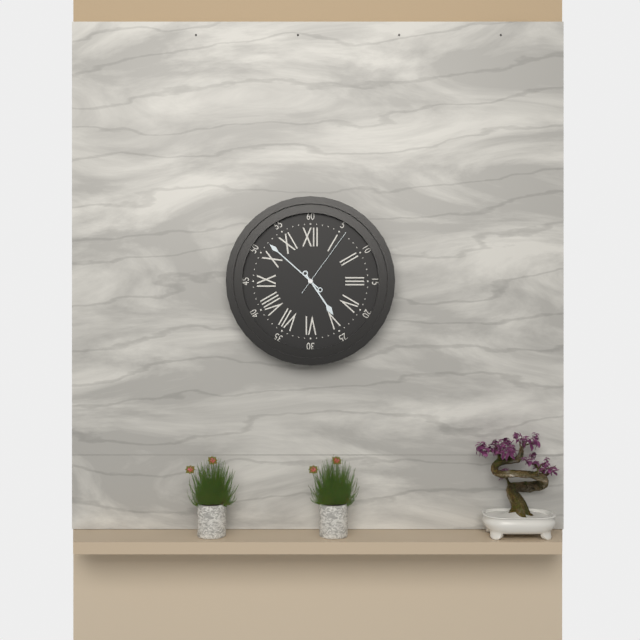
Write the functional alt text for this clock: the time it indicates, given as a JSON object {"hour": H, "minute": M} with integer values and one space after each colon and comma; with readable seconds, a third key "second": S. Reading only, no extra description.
{"hour": 4, "minute": 52, "second": 6}
